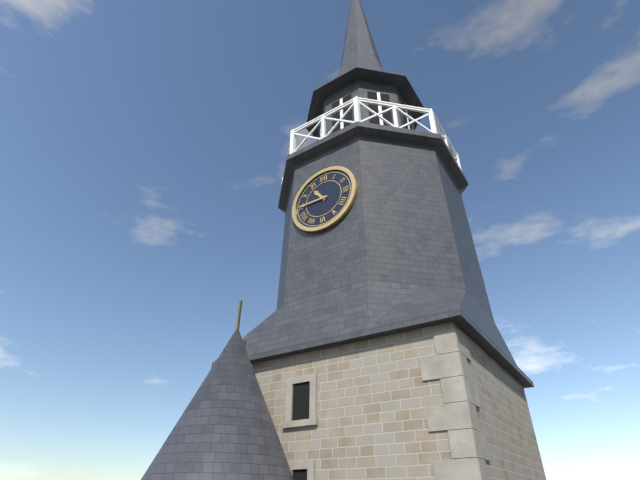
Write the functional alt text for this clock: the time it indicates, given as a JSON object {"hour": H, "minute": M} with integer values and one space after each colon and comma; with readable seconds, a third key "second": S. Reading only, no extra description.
{"hour": 10, "minute": 45}
